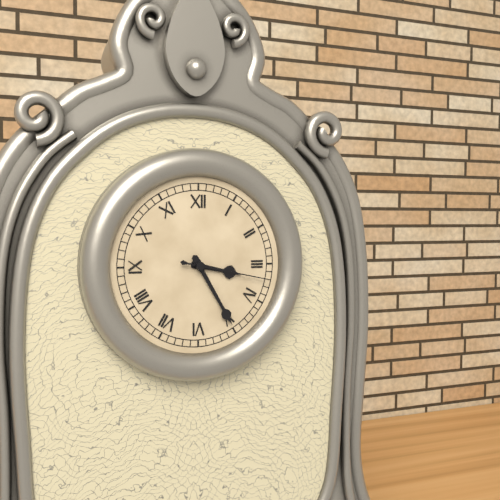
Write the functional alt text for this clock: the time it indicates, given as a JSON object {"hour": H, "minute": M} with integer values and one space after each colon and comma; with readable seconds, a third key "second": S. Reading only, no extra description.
{"hour": 3, "minute": 25, "second": 17}
